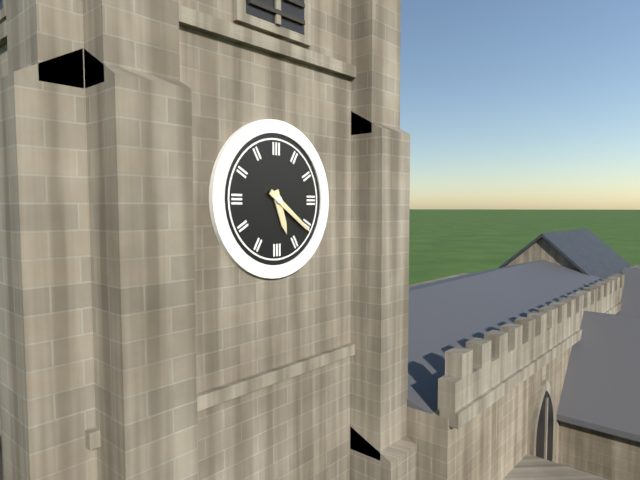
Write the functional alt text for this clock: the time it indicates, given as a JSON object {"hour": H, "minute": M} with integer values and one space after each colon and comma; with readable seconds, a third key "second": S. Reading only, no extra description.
{"hour": 5, "minute": 21}
